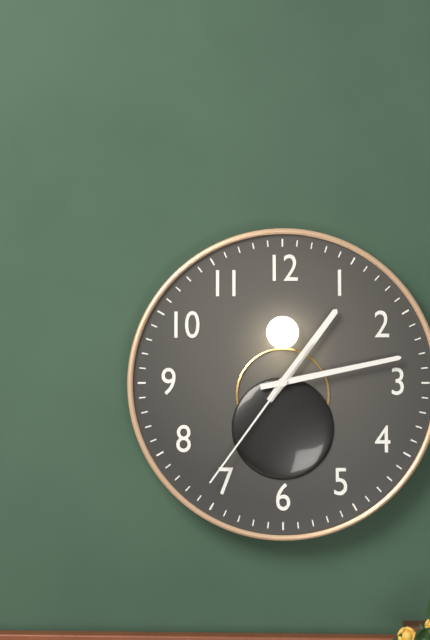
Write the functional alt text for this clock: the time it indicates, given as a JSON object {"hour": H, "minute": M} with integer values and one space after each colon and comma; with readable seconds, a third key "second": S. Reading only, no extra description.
{"hour": 1, "minute": 13, "second": 36}
